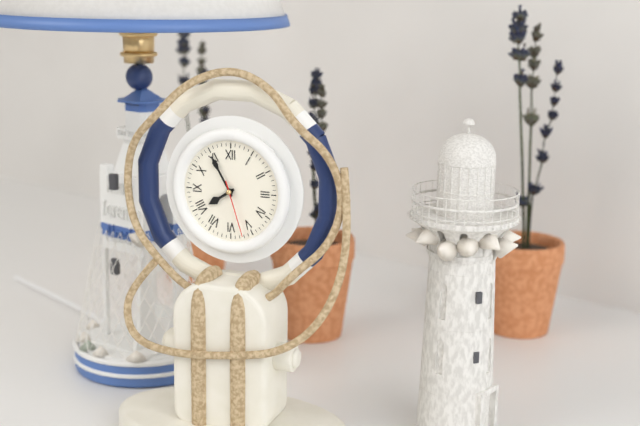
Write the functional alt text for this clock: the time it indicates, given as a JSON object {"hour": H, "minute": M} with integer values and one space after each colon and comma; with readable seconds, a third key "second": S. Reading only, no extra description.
{"hour": 7, "minute": 55, "second": 27}
